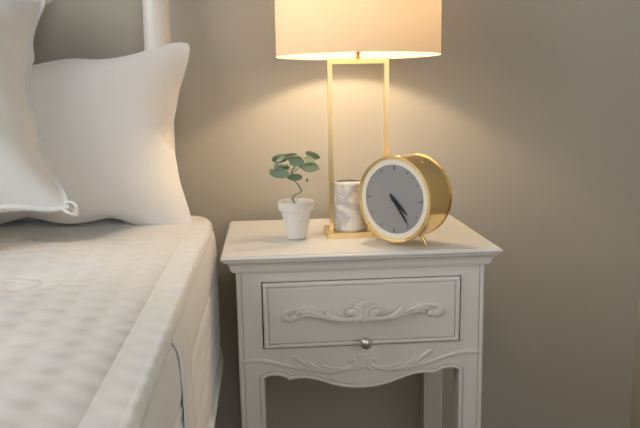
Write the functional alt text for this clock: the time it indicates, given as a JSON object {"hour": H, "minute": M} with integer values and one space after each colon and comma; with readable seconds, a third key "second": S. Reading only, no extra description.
{"hour": 4, "minute": 24}
